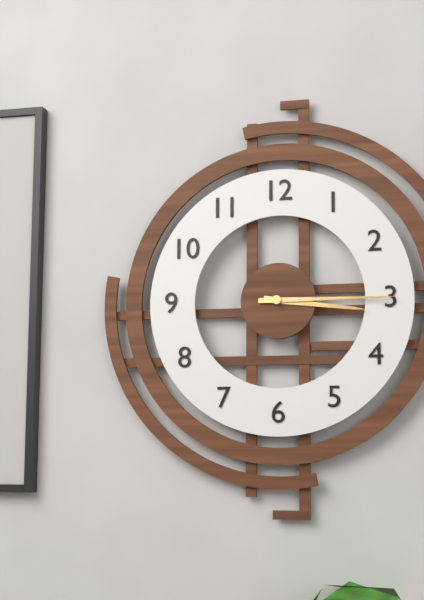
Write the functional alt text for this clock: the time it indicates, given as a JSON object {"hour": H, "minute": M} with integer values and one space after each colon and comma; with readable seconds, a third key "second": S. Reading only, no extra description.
{"hour": 3, "minute": 15}
